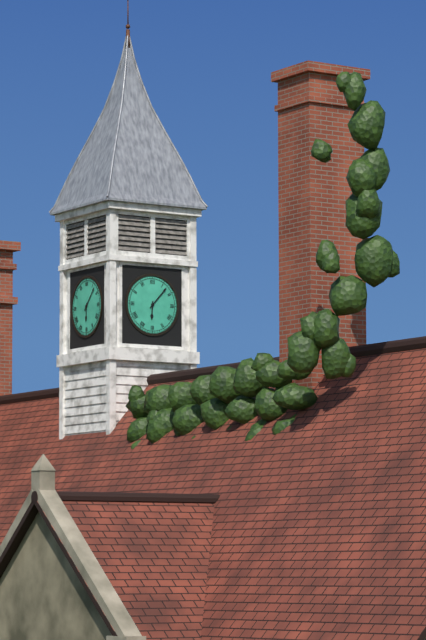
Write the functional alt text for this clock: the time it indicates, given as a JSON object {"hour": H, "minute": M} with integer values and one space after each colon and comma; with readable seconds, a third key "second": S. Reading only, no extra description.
{"hour": 6, "minute": 7}
